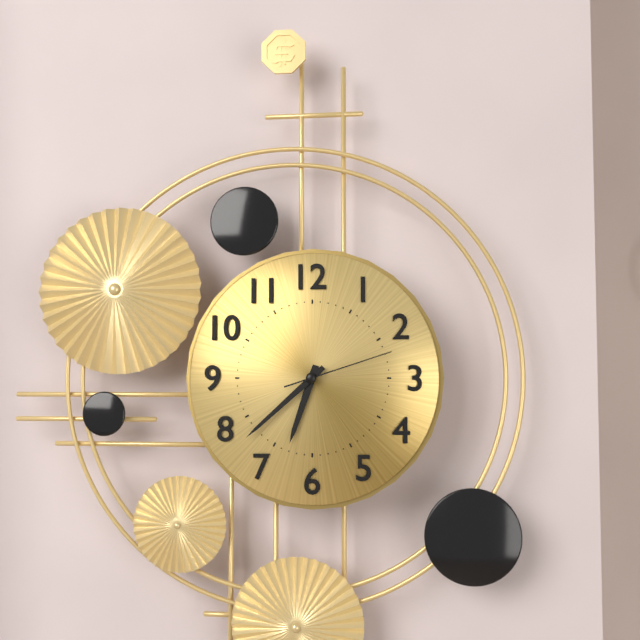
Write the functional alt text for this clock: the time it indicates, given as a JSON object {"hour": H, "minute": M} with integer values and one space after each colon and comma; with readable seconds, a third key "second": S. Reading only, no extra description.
{"hour": 6, "minute": 38, "second": 12}
